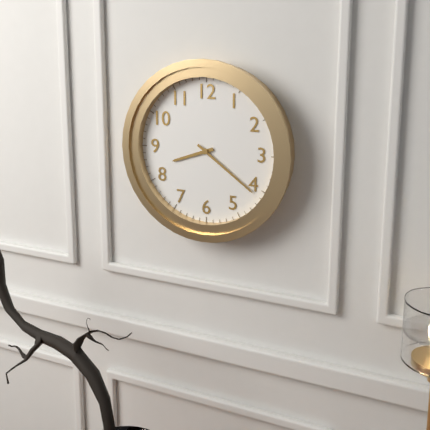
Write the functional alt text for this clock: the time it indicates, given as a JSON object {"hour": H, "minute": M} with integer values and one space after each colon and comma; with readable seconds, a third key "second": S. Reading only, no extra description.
{"hour": 8, "minute": 21}
